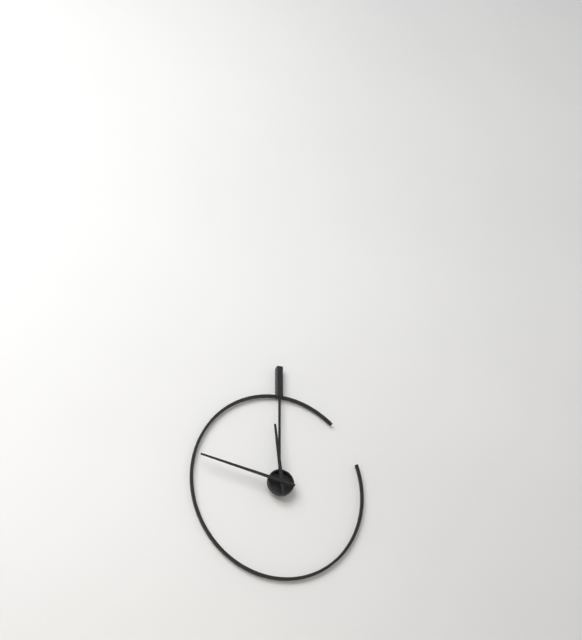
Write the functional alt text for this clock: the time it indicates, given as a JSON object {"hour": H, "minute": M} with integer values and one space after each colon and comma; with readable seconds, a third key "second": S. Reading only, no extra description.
{"hour": 11, "minute": 47}
